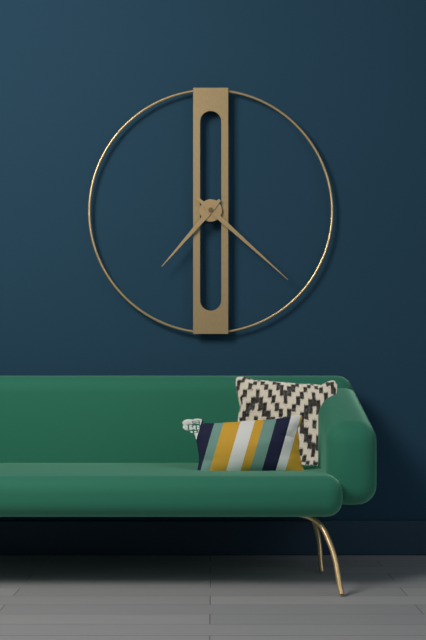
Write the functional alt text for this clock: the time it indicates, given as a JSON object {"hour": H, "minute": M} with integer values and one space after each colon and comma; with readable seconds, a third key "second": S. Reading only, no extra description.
{"hour": 7, "minute": 22}
